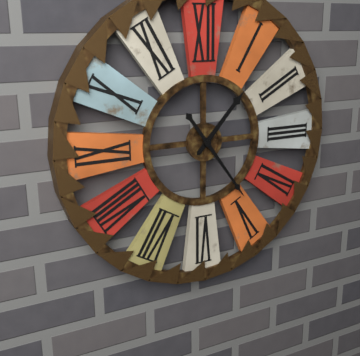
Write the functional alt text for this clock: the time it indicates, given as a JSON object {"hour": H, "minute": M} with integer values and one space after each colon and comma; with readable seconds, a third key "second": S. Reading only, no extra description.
{"hour": 1, "minute": 24}
